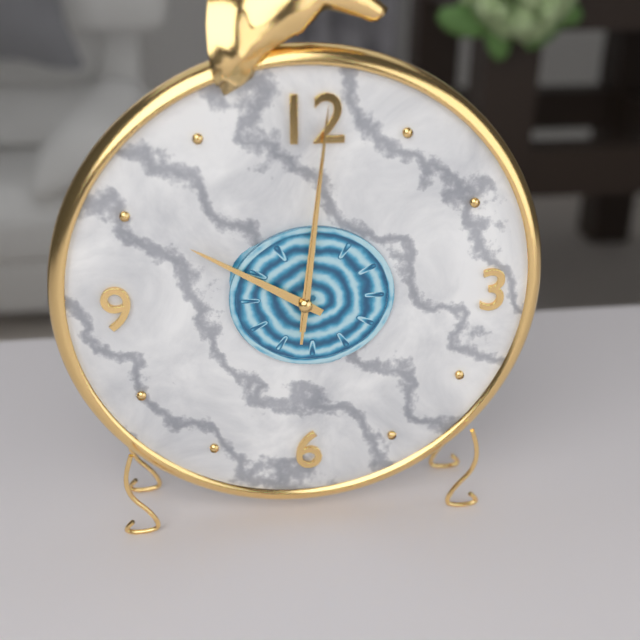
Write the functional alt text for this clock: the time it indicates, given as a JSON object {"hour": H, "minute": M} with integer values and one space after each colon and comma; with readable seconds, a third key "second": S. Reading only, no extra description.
{"hour": 10, "minute": 1, "second": 1}
